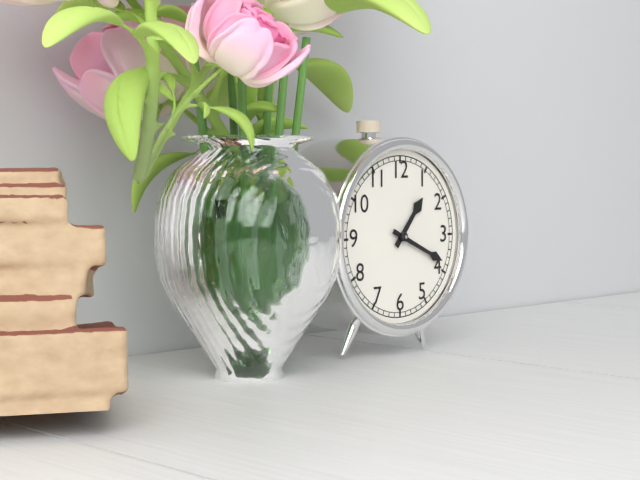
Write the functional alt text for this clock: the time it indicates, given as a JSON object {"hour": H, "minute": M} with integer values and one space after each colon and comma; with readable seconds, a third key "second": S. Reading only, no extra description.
{"hour": 1, "minute": 19}
